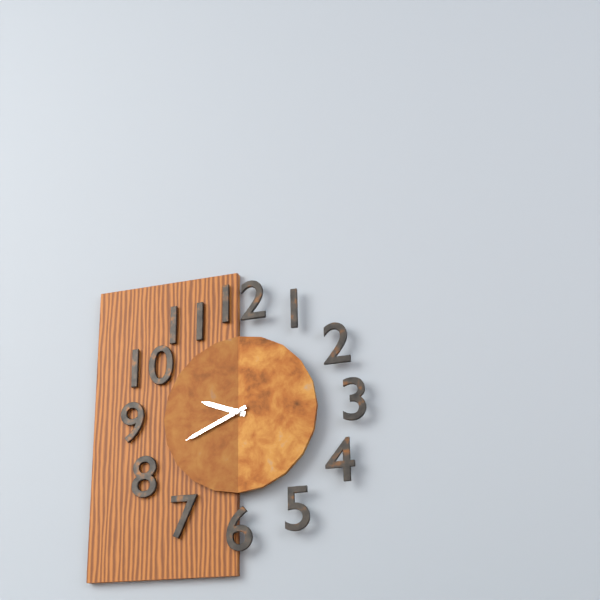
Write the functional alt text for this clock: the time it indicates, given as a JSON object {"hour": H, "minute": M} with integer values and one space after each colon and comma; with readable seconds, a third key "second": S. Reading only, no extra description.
{"hour": 9, "minute": 41}
